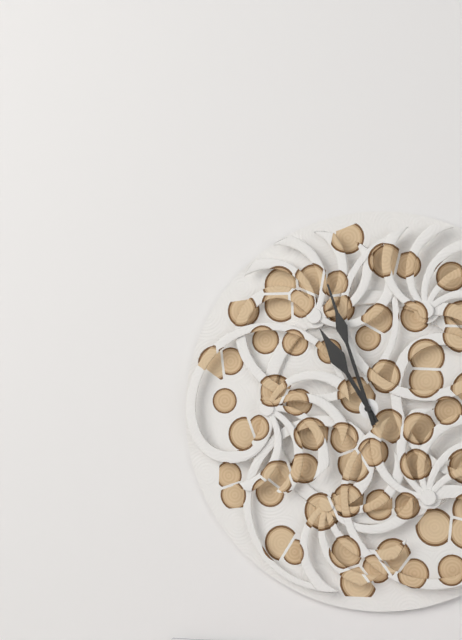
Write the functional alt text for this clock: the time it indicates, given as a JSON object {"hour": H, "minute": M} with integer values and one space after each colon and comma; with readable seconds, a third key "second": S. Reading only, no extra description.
{"hour": 10, "minute": 57}
